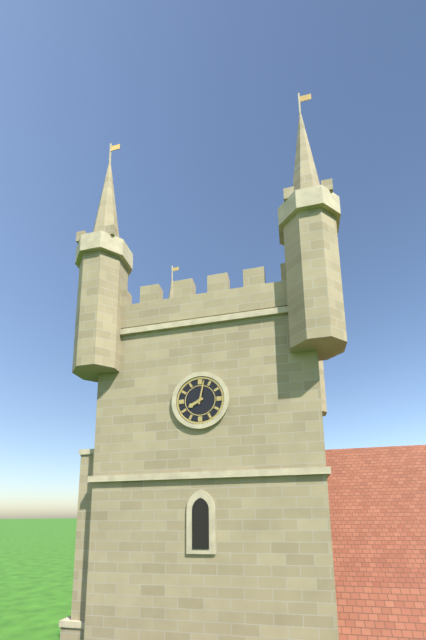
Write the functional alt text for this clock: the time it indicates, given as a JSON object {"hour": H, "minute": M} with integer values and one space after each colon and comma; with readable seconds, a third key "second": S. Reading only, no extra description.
{"hour": 8, "minute": 2}
